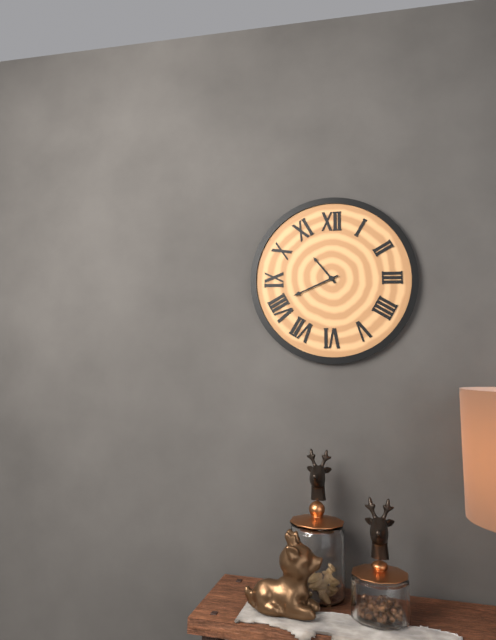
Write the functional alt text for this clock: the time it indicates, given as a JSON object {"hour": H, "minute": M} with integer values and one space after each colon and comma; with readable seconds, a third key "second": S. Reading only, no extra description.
{"hour": 10, "minute": 41}
